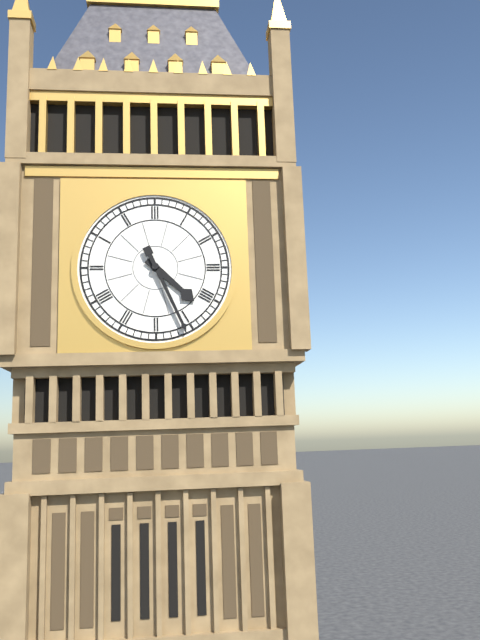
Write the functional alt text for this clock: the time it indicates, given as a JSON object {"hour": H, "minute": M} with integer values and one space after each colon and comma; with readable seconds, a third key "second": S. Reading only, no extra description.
{"hour": 4, "minute": 26}
